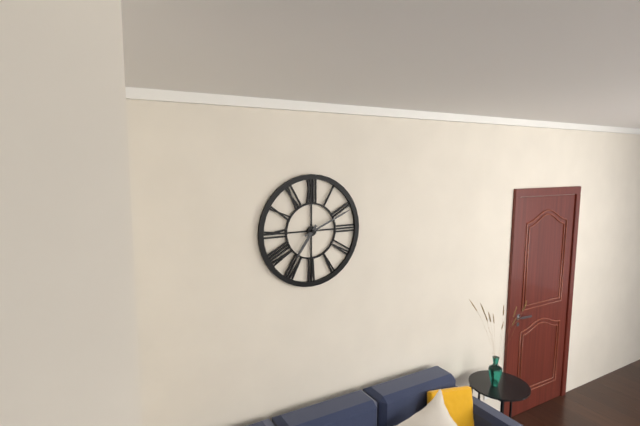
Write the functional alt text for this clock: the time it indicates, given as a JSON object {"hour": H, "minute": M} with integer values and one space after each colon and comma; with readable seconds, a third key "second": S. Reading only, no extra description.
{"hour": 7, "minute": 11}
